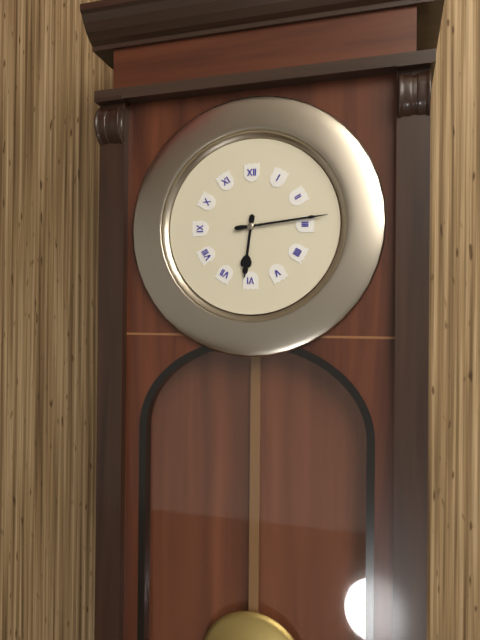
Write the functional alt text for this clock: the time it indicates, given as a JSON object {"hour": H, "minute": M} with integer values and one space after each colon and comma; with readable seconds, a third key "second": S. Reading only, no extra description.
{"hour": 6, "minute": 14}
